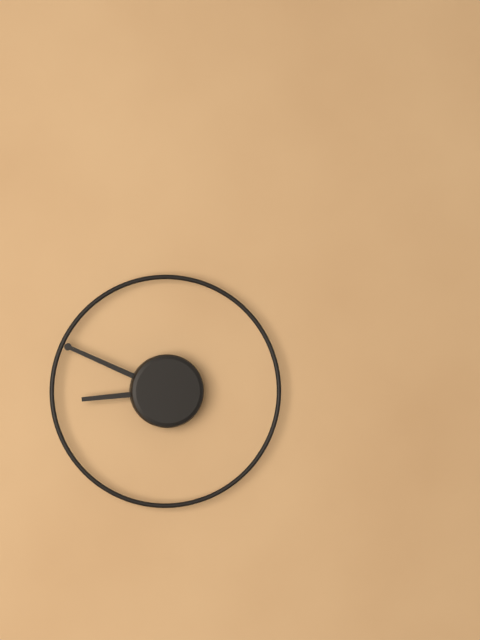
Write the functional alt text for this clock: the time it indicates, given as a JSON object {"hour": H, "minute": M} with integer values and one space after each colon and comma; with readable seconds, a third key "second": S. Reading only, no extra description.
{"hour": 8, "minute": 49}
